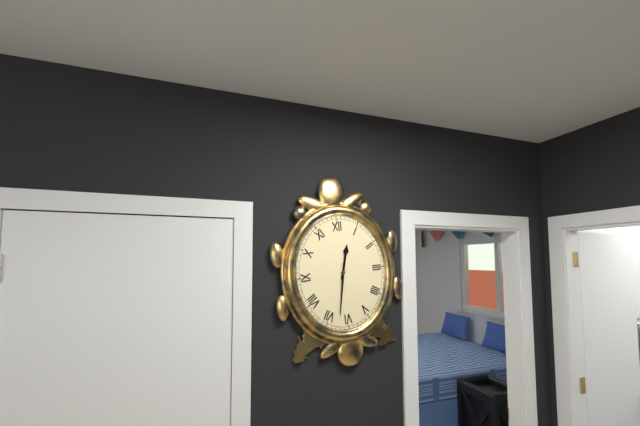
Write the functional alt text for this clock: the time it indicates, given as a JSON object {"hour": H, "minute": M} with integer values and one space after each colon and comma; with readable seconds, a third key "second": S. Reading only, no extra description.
{"hour": 12, "minute": 32}
